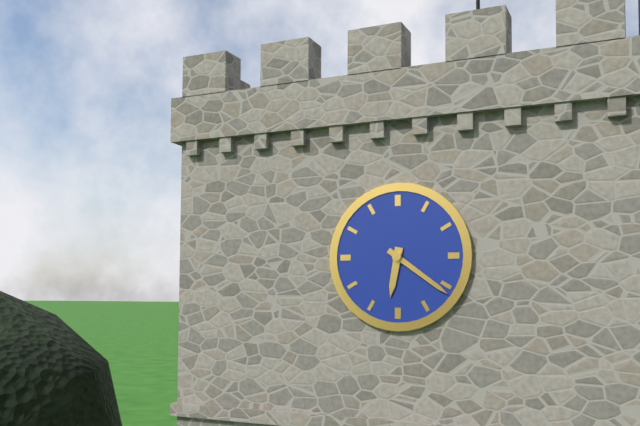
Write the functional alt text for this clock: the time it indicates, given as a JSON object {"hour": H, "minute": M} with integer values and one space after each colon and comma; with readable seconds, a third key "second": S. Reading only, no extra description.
{"hour": 6, "minute": 21}
